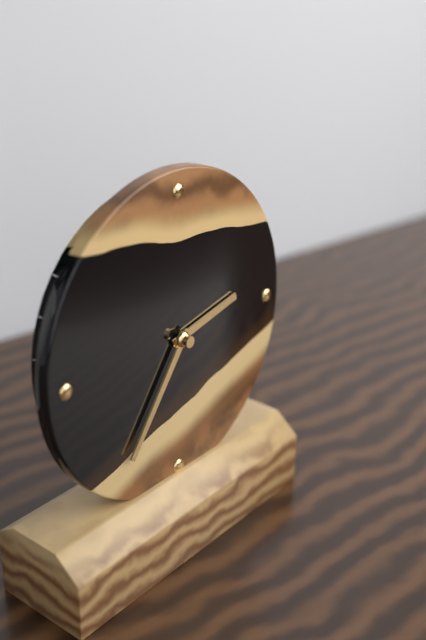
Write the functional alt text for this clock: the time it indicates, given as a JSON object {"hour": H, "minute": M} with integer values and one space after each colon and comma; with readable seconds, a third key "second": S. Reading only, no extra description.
{"hour": 2, "minute": 36}
